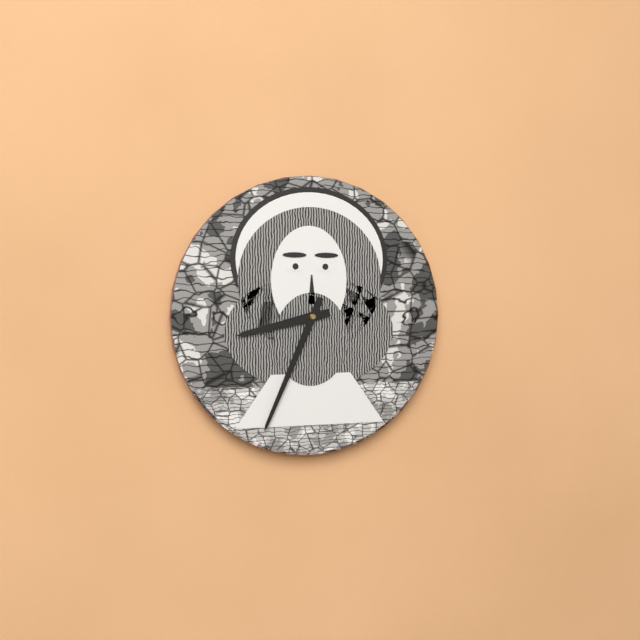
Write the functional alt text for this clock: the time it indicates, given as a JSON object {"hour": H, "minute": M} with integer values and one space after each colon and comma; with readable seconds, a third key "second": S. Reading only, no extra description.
{"hour": 8, "minute": 34}
